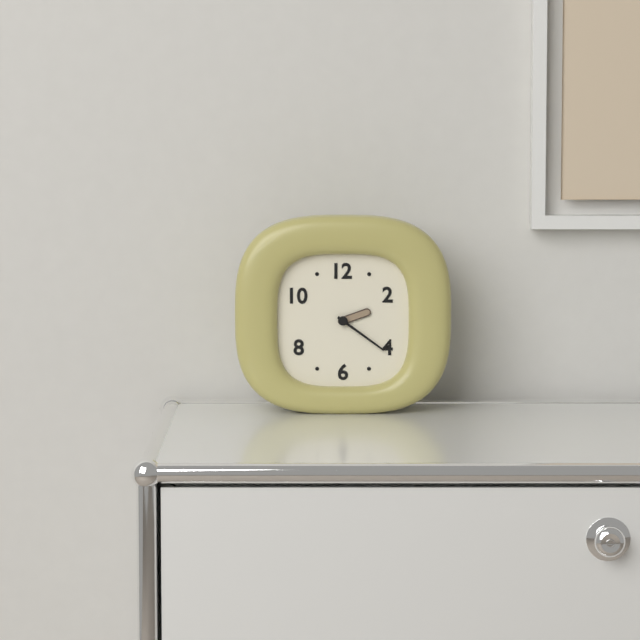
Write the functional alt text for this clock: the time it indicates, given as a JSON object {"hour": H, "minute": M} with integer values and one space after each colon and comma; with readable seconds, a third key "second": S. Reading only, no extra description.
{"hour": 2, "minute": 21}
